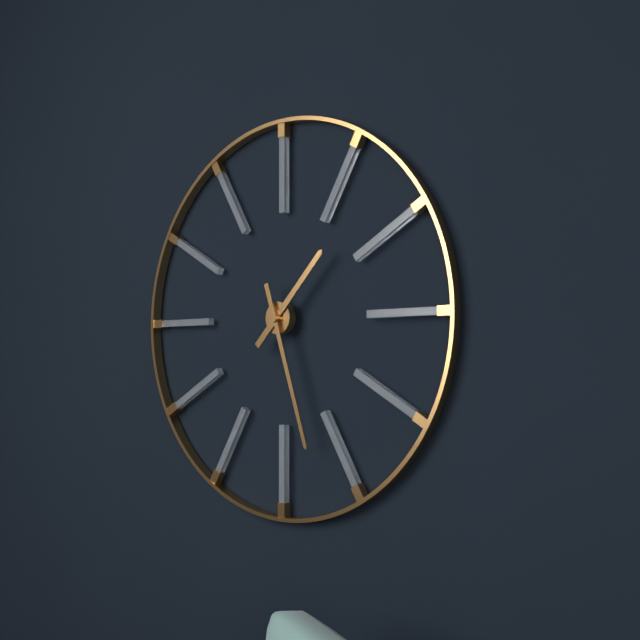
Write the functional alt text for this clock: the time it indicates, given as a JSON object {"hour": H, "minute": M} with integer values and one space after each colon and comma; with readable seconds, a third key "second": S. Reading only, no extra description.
{"hour": 1, "minute": 27}
